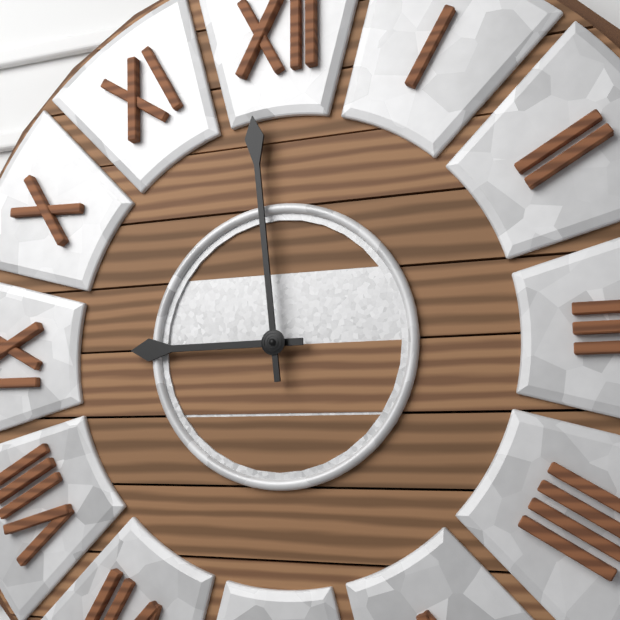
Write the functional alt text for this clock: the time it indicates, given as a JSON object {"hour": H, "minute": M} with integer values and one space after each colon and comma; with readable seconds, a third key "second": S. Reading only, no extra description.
{"hour": 8, "minute": 59}
